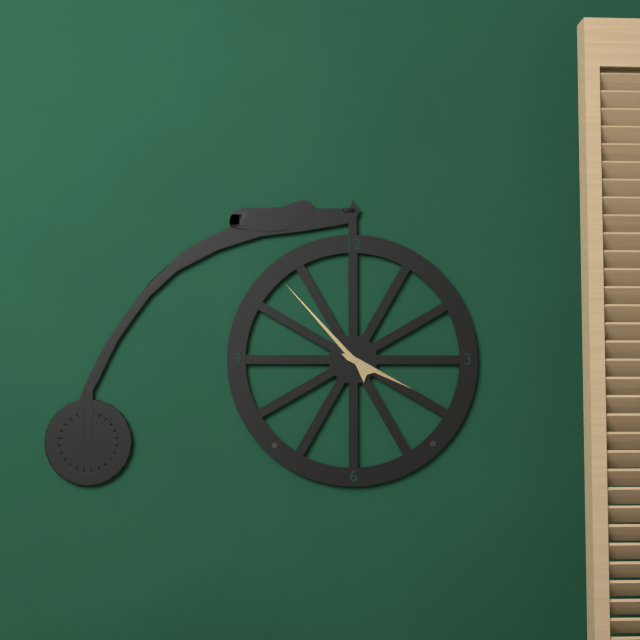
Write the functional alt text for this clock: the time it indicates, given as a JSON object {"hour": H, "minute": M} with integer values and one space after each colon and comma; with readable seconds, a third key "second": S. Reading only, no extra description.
{"hour": 3, "minute": 53}
